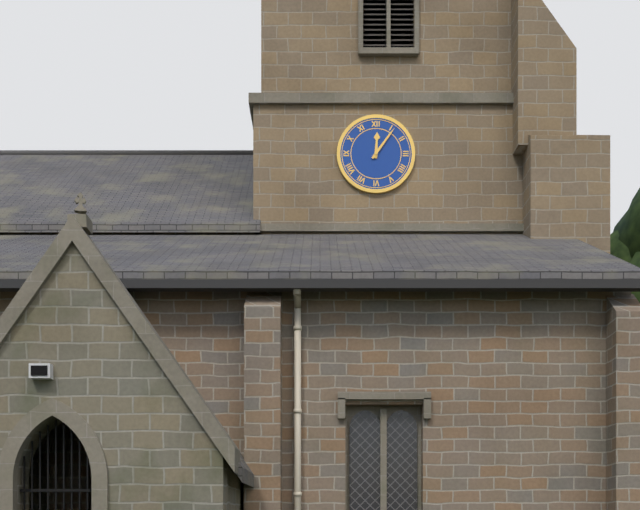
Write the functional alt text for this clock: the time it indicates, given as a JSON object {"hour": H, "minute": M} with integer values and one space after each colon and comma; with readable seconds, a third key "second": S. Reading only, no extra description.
{"hour": 12, "minute": 6}
